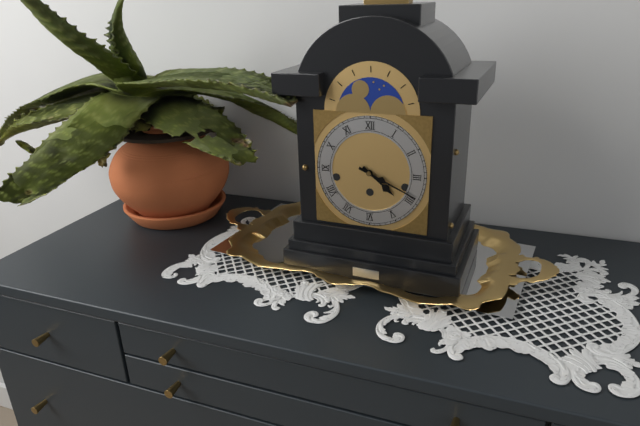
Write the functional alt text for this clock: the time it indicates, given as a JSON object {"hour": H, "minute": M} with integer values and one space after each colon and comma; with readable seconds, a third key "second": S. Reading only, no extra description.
{"hour": 4, "minute": 19}
